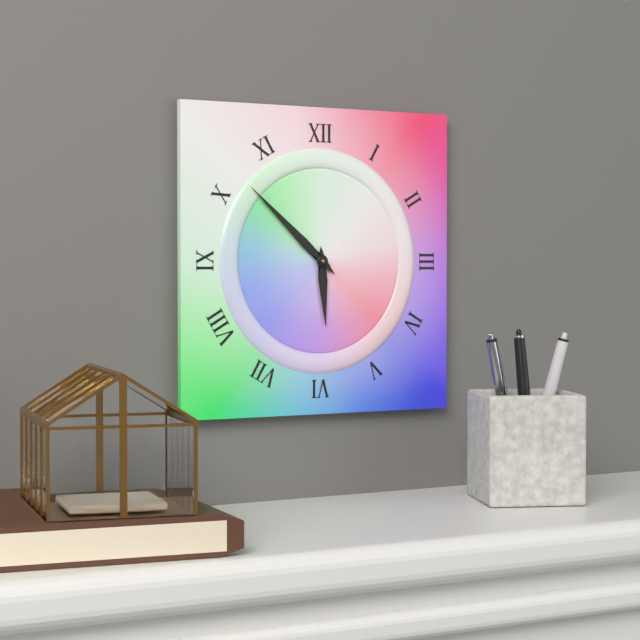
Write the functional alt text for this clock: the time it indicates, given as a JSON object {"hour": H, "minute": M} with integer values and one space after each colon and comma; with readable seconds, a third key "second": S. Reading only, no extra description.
{"hour": 5, "minute": 52}
